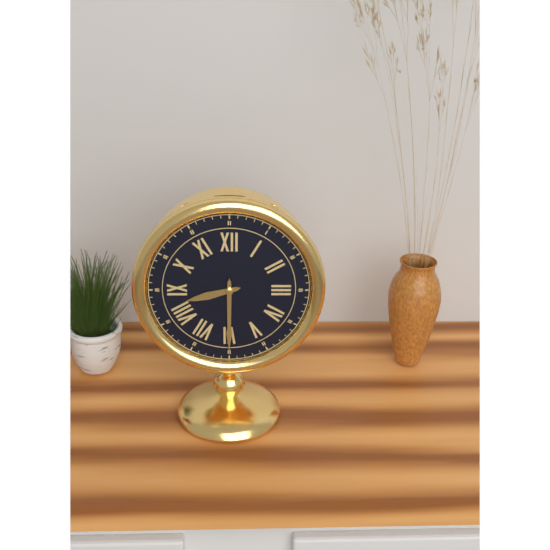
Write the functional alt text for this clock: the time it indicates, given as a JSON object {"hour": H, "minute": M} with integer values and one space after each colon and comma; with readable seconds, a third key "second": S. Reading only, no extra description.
{"hour": 8, "minute": 30}
